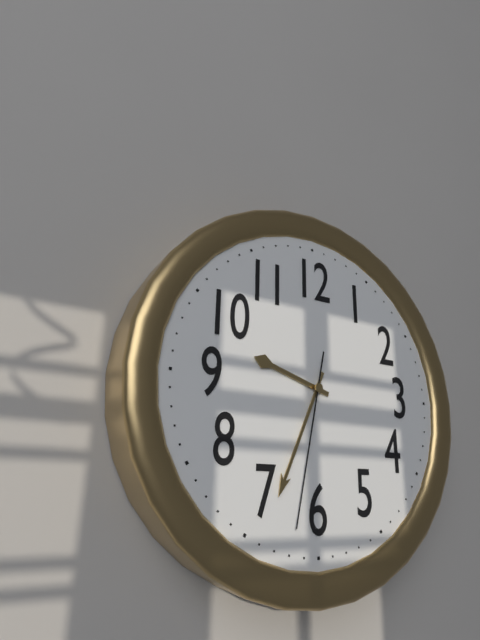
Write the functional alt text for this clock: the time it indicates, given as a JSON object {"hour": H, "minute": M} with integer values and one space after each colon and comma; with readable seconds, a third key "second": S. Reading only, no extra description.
{"hour": 9, "minute": 34, "second": 32}
